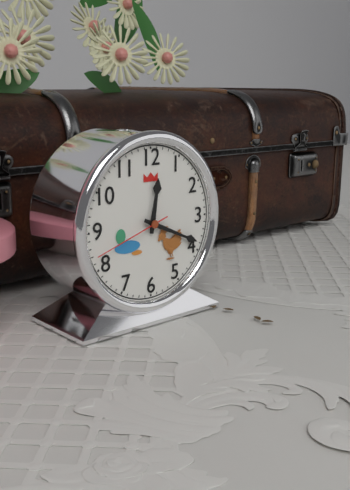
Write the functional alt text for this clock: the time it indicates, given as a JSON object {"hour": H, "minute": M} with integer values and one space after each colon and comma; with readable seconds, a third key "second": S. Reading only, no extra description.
{"hour": 12, "minute": 19, "second": 42}
